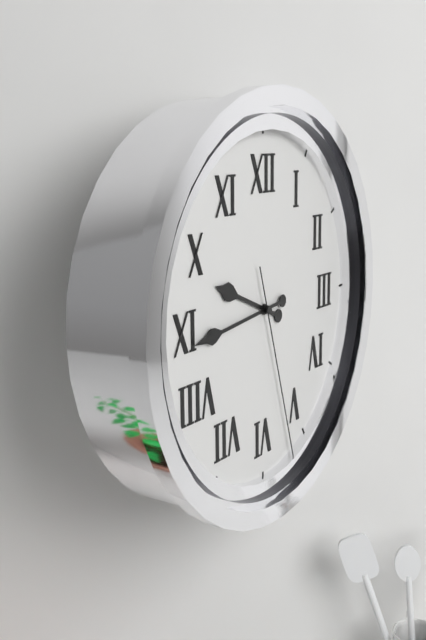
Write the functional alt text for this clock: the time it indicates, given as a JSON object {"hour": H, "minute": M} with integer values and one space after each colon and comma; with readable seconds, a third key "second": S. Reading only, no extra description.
{"hour": 9, "minute": 44, "second": 27}
